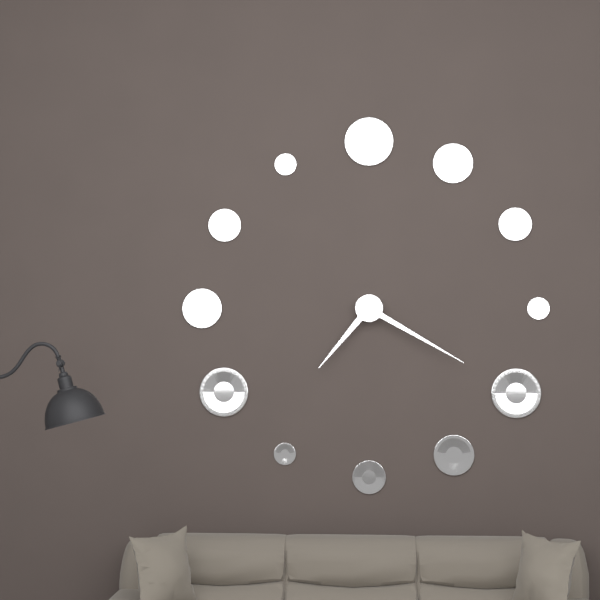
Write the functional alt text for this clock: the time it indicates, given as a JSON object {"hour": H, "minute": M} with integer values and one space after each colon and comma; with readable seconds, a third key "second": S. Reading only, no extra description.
{"hour": 7, "minute": 20}
